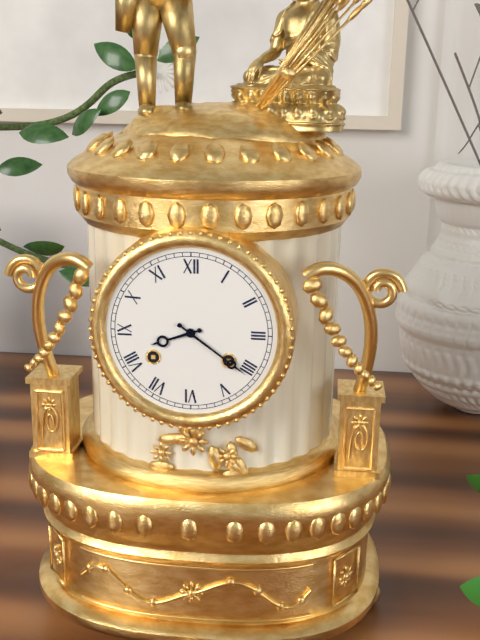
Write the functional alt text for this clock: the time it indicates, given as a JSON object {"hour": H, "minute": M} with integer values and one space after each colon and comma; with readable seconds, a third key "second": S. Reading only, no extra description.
{"hour": 8, "minute": 21}
